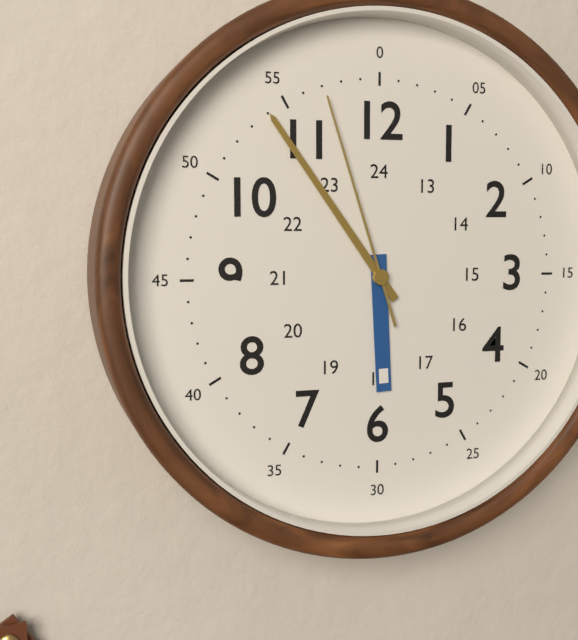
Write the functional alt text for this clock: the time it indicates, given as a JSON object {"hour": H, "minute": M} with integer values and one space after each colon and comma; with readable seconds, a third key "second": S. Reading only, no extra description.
{"hour": 5, "minute": 54, "second": 57}
